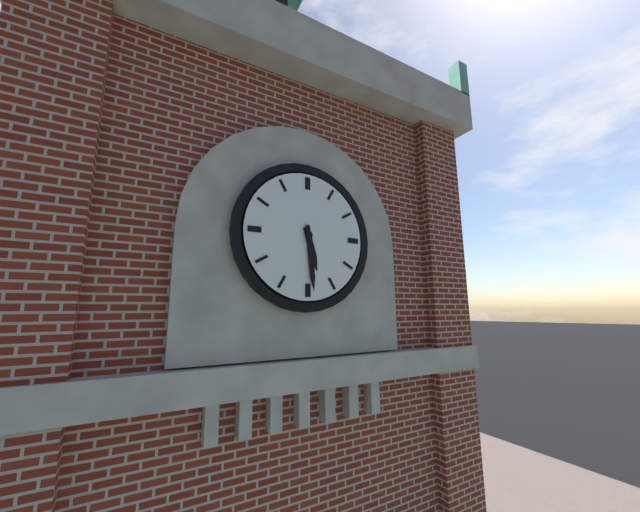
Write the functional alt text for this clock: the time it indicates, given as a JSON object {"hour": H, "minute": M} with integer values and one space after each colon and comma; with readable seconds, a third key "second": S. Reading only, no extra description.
{"hour": 5, "minute": 29}
